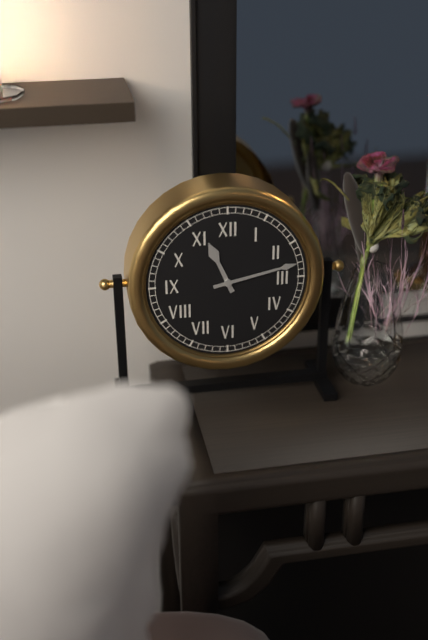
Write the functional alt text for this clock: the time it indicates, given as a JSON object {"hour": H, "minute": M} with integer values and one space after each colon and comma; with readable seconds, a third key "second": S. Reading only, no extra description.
{"hour": 11, "minute": 13}
